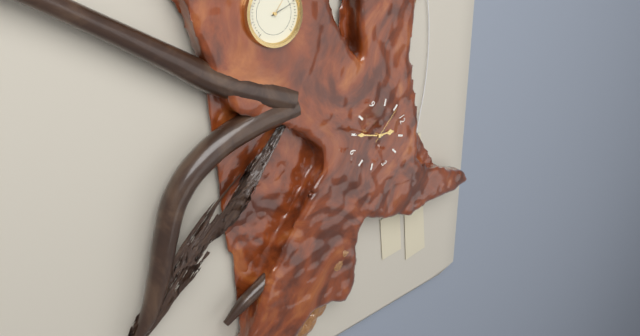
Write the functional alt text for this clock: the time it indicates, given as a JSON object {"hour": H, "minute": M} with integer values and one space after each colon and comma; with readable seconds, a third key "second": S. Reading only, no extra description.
{"hour": 12, "minute": 35}
